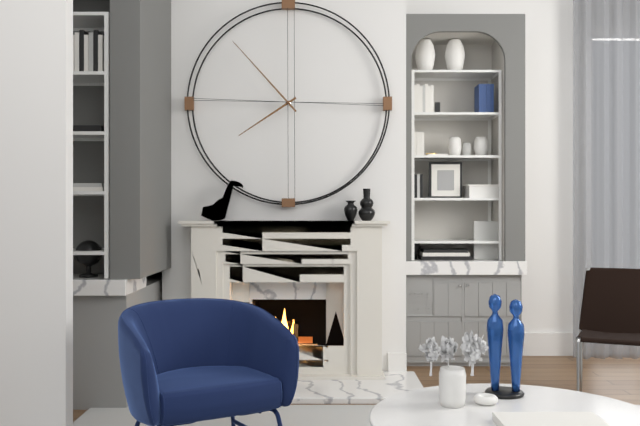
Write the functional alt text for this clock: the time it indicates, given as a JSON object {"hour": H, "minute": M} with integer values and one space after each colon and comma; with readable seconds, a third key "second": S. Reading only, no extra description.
{"hour": 7, "minute": 53}
